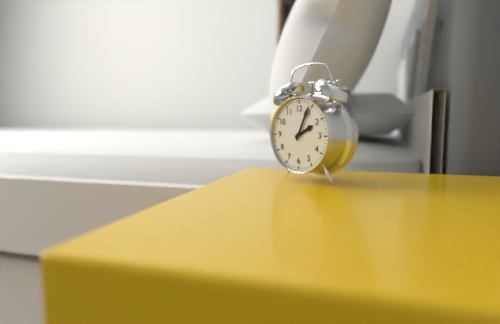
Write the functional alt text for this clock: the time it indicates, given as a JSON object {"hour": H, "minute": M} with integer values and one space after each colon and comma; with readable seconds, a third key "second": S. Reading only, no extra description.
{"hour": 2, "minute": 4}
